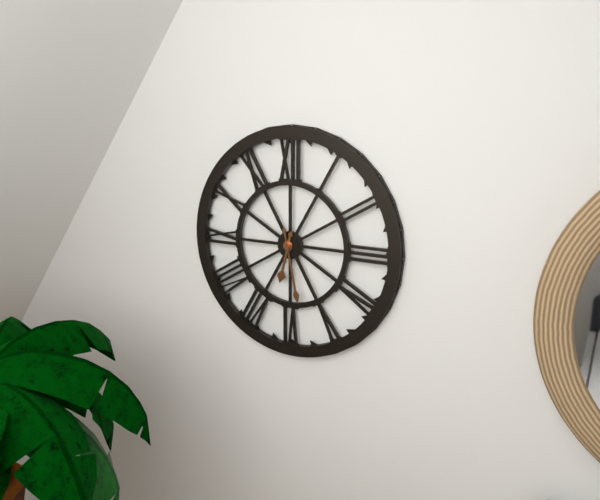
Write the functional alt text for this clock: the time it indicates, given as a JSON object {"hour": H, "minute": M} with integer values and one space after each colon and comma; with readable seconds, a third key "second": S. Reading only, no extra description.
{"hour": 6, "minute": 28}
